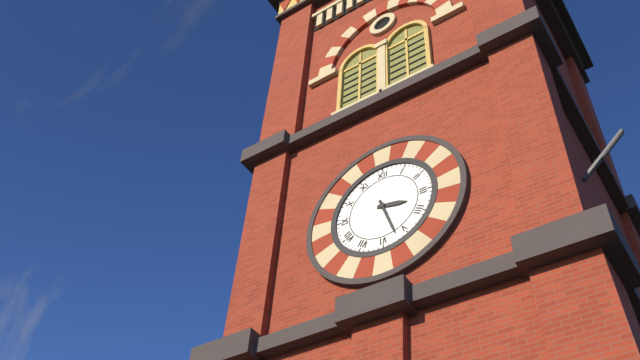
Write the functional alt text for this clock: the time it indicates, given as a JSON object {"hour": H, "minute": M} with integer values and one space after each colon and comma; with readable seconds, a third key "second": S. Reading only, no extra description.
{"hour": 3, "minute": 27}
